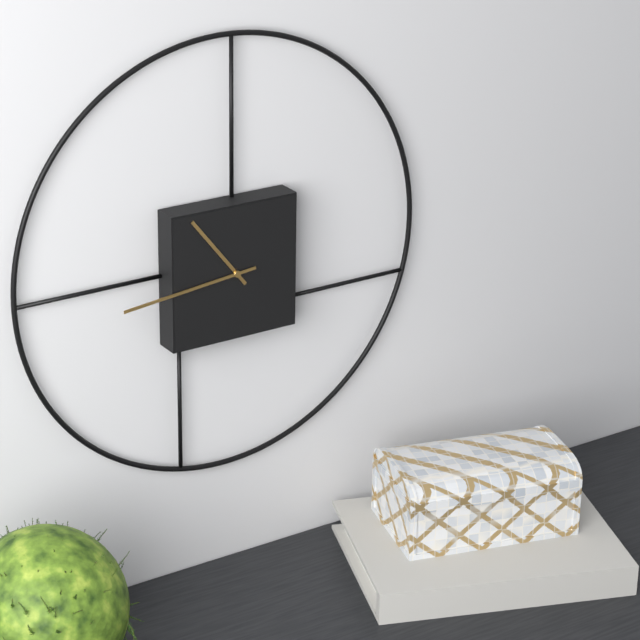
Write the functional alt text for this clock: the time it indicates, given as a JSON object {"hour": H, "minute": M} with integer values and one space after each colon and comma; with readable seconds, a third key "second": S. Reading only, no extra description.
{"hour": 10, "minute": 44}
